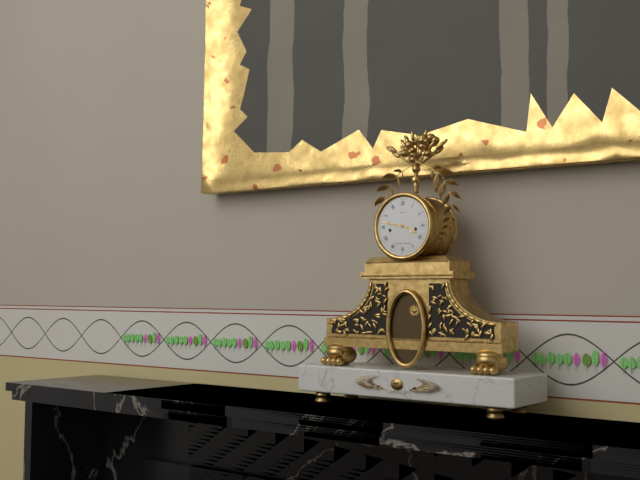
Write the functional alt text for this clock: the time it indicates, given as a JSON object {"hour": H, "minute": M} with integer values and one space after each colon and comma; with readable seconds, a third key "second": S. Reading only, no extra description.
{"hour": 3, "minute": 47}
